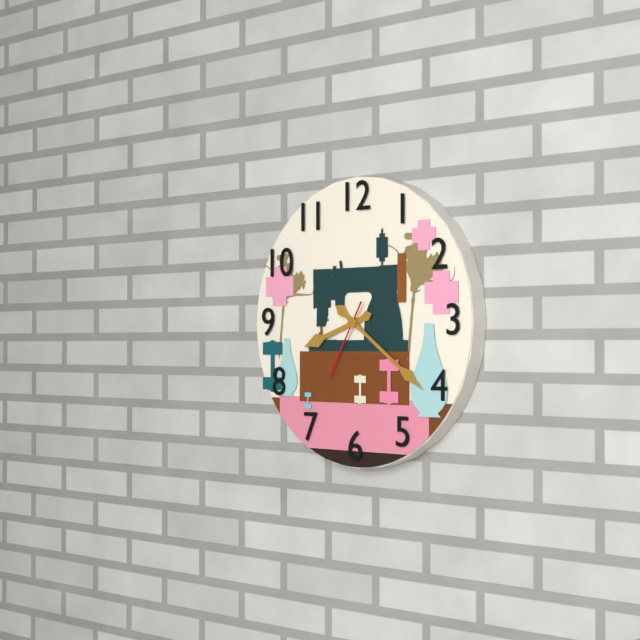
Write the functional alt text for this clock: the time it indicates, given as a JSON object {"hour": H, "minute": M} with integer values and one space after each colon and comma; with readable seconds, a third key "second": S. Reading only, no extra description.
{"hour": 8, "minute": 21, "second": 35}
